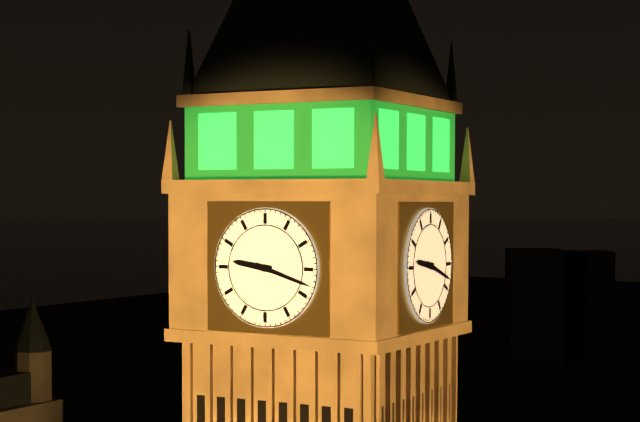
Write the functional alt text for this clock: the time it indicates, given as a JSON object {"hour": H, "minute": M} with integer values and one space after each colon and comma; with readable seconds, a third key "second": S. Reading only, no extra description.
{"hour": 9, "minute": 18}
